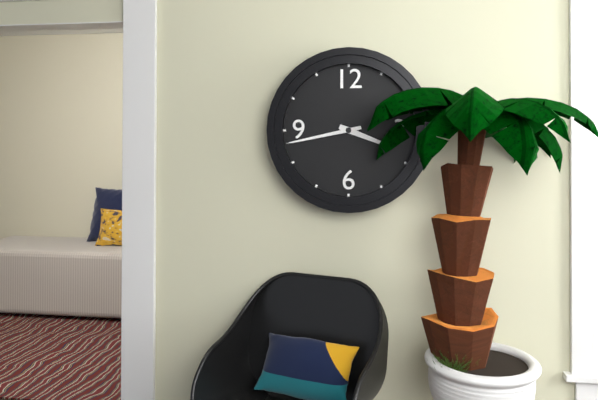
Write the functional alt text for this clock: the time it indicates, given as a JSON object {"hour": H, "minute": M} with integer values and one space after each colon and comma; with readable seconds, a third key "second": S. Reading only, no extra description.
{"hour": 3, "minute": 43}
